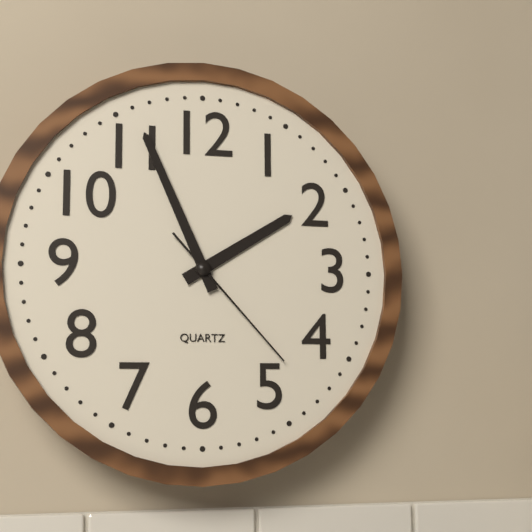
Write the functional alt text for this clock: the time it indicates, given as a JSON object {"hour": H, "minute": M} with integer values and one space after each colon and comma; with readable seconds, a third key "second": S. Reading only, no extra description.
{"hour": 1, "minute": 56, "second": 23}
